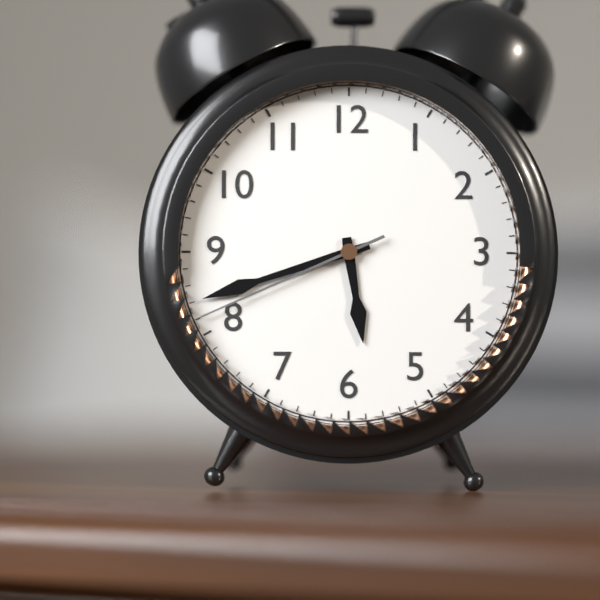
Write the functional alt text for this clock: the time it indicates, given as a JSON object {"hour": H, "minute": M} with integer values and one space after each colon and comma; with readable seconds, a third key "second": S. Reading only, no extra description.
{"hour": 5, "minute": 42, "second": 41}
